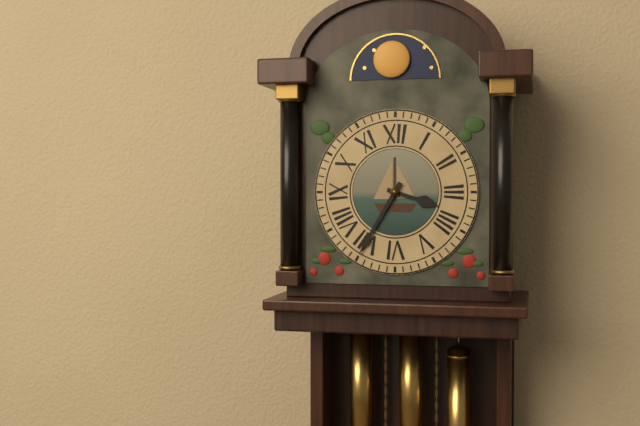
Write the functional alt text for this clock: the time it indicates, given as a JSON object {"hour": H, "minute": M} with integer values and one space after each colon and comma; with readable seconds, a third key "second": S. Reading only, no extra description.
{"hour": 3, "minute": 35}
